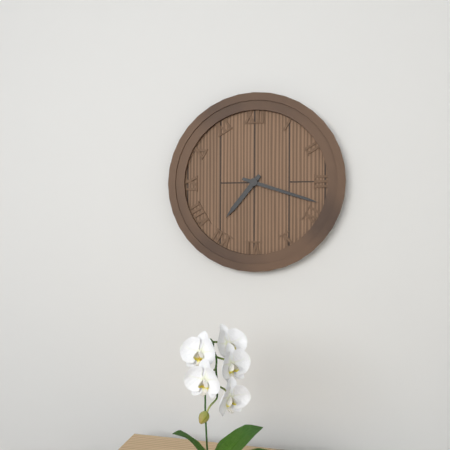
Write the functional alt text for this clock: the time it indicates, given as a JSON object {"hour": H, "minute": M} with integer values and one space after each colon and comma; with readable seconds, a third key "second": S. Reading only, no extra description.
{"hour": 7, "minute": 18}
